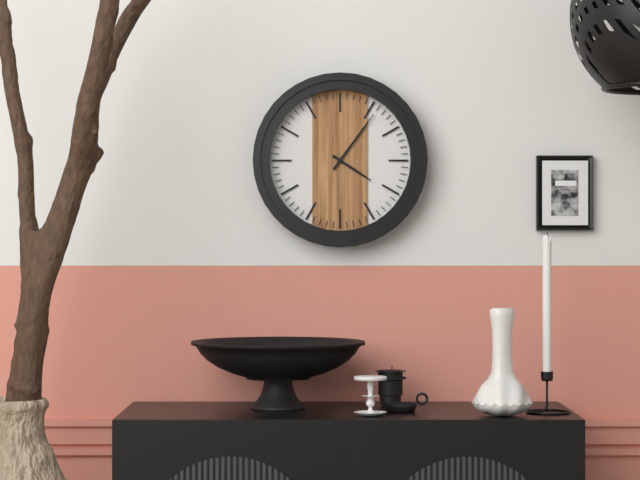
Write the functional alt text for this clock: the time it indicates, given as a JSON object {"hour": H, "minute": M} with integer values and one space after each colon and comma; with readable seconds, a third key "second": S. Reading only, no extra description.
{"hour": 4, "minute": 6}
